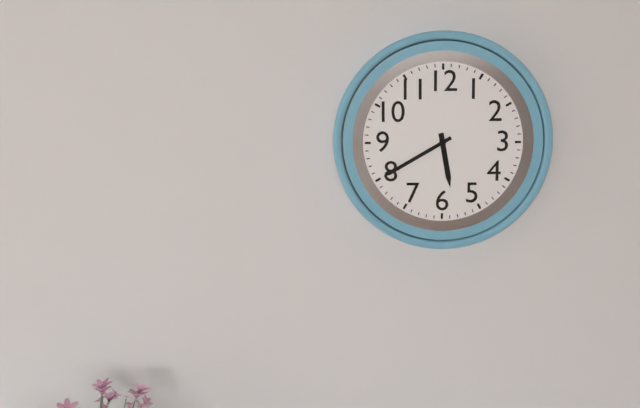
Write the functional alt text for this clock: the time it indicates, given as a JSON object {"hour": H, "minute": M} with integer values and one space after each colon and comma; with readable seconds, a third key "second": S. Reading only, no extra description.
{"hour": 5, "minute": 40}
